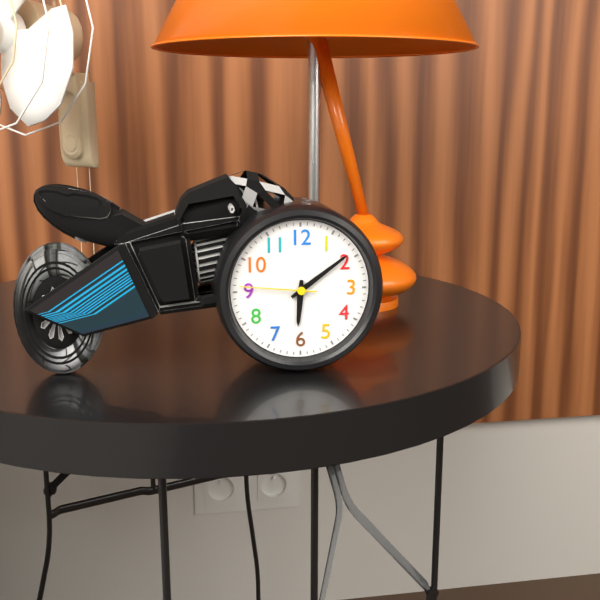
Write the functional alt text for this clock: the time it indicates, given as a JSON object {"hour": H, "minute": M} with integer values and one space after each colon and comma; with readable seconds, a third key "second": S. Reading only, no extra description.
{"hour": 6, "minute": 9, "second": 46}
